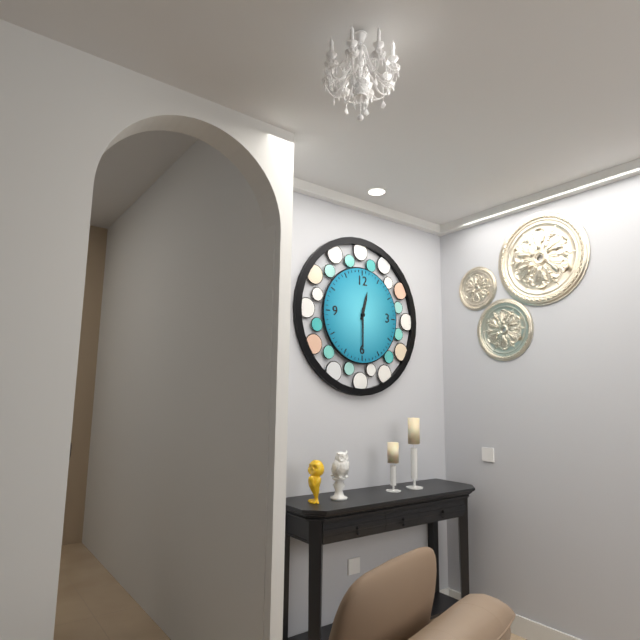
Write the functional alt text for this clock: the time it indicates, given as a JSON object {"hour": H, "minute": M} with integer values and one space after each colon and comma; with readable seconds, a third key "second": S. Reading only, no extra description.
{"hour": 12, "minute": 30}
